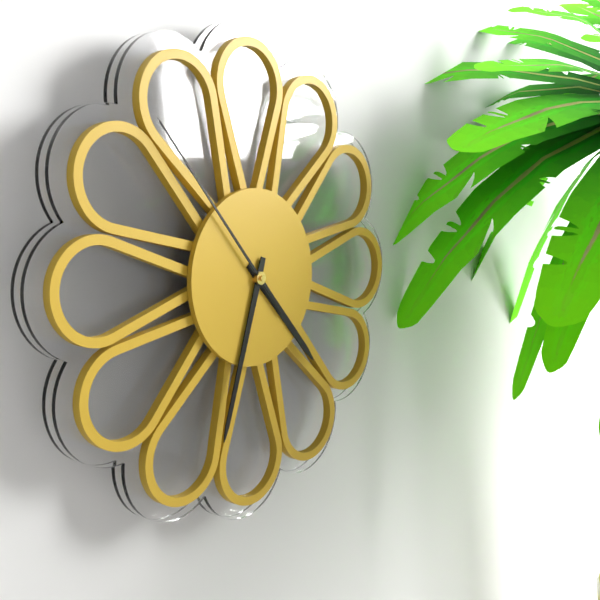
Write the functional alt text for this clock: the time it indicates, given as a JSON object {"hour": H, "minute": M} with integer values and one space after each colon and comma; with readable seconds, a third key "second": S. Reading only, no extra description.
{"hour": 4, "minute": 33, "second": 53}
